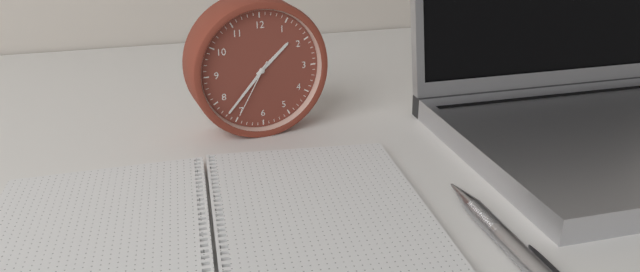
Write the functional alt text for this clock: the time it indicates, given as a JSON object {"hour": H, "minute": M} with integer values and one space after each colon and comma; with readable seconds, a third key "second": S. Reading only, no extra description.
{"hour": 1, "minute": 37, "second": 35}
